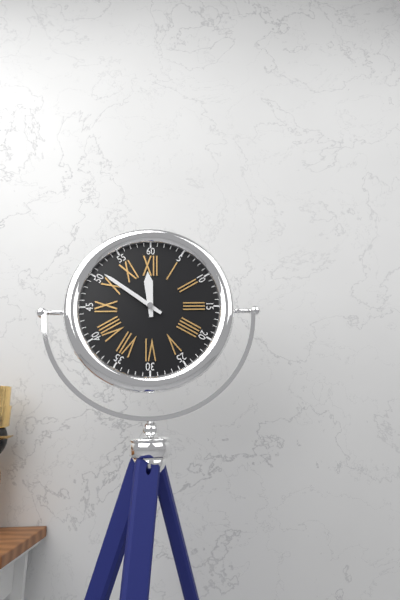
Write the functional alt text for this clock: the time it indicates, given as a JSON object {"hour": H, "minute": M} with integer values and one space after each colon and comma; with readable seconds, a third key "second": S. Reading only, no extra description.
{"hour": 11, "minute": 51}
